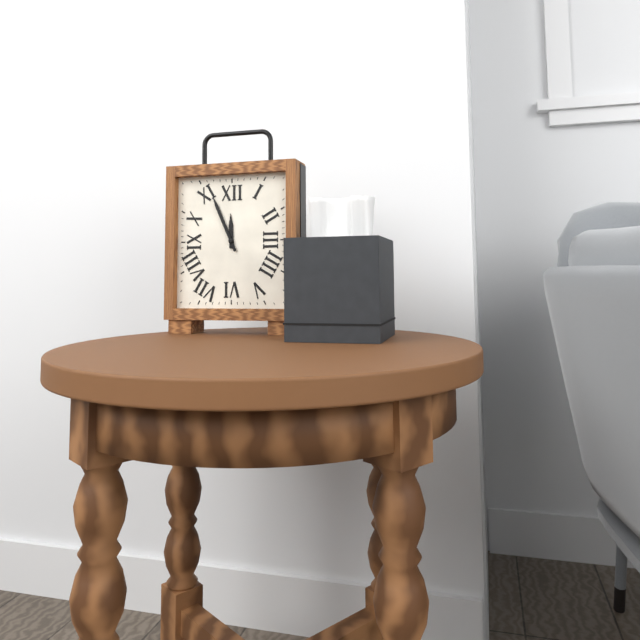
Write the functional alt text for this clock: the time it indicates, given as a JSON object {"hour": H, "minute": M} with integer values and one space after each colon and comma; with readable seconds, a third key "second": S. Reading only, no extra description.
{"hour": 11, "minute": 56}
